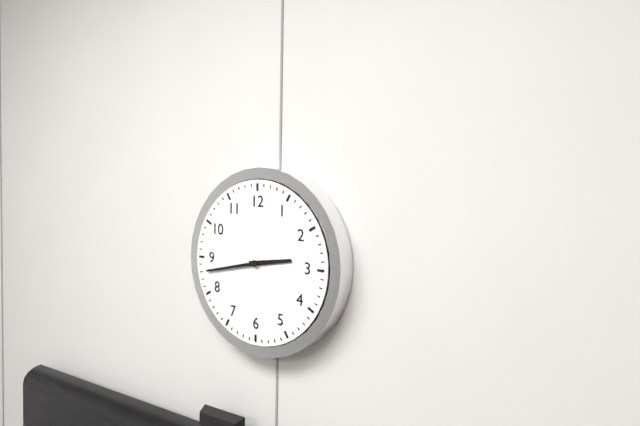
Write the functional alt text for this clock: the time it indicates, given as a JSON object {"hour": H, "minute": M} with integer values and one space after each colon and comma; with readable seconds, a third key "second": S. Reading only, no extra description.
{"hour": 2, "minute": 43}
